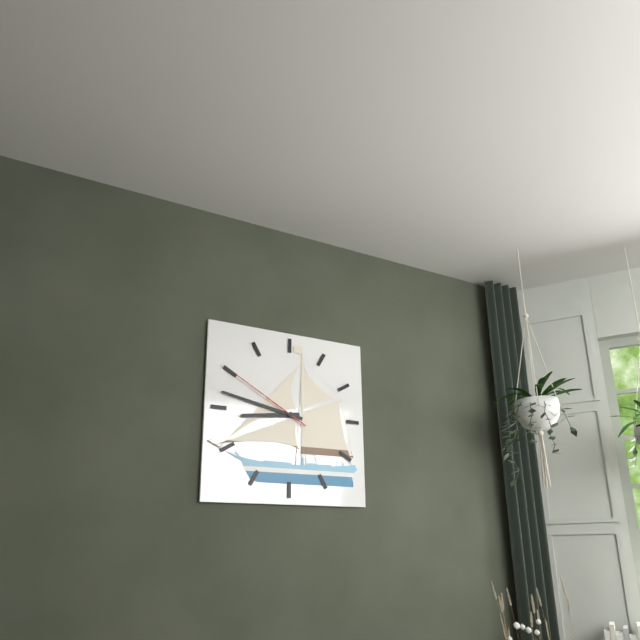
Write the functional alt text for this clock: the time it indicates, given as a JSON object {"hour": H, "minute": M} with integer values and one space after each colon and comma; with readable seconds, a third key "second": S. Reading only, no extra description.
{"hour": 8, "minute": 47, "second": 50}
